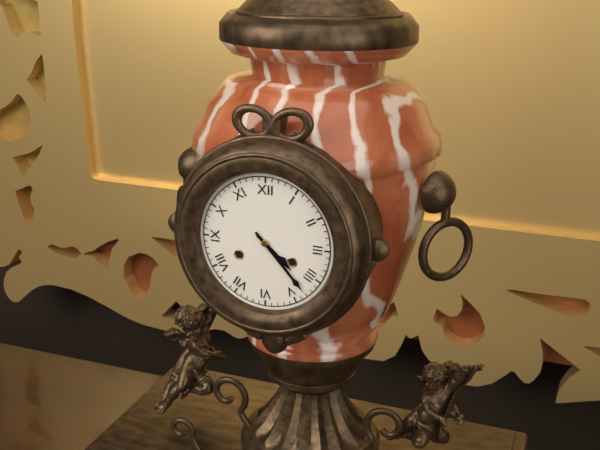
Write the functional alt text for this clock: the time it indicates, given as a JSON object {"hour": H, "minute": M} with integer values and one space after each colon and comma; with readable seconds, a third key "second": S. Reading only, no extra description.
{"hour": 4, "minute": 23}
